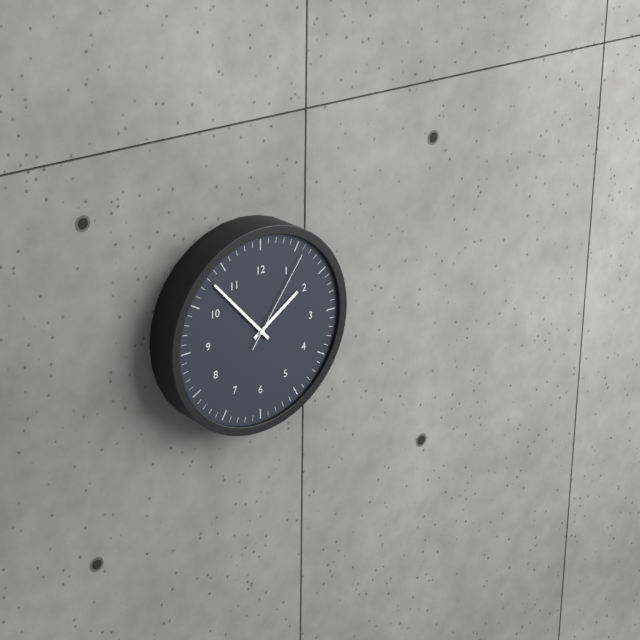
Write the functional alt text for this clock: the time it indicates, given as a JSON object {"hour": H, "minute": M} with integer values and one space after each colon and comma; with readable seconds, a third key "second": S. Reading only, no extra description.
{"hour": 1, "minute": 53, "second": 6}
